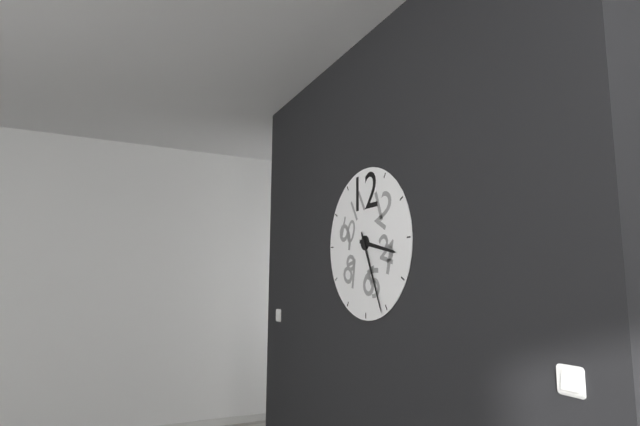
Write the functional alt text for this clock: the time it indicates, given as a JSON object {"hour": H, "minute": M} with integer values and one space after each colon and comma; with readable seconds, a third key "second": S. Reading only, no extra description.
{"hour": 3, "minute": 26}
